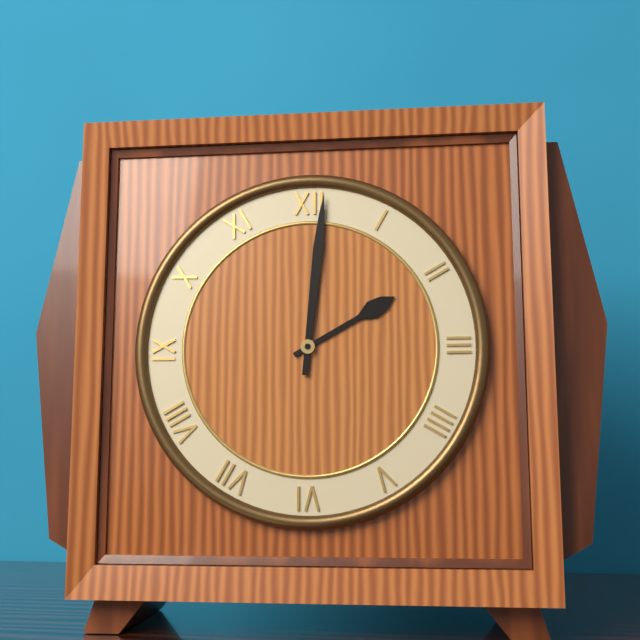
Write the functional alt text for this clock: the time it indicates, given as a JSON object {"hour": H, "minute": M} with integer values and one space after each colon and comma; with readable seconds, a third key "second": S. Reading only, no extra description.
{"hour": 2, "minute": 1}
